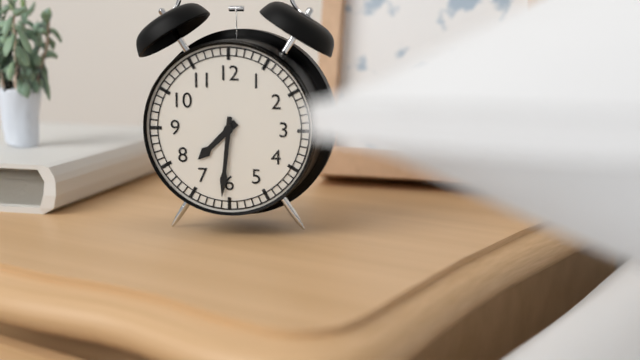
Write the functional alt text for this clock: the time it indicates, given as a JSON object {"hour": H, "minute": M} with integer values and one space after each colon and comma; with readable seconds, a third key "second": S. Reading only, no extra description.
{"hour": 7, "minute": 31}
